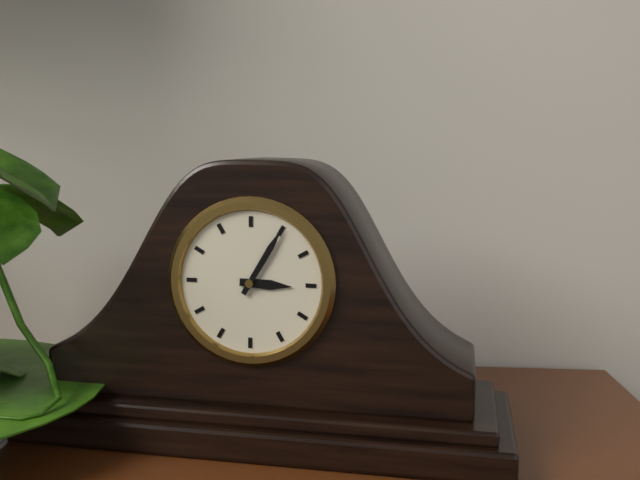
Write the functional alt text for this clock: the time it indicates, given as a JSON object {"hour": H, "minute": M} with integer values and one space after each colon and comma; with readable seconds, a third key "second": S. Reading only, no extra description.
{"hour": 3, "minute": 5}
